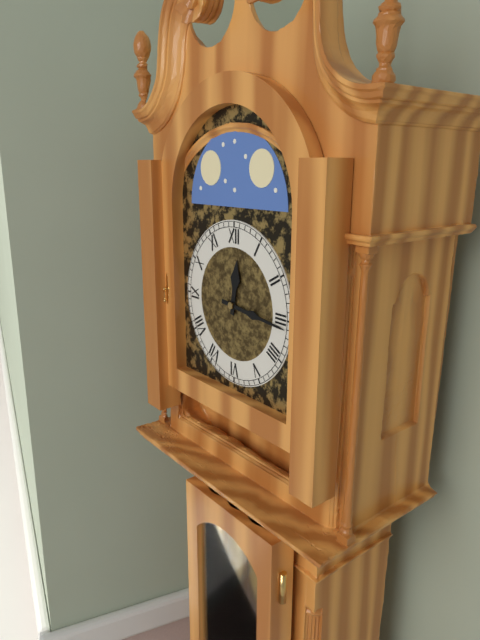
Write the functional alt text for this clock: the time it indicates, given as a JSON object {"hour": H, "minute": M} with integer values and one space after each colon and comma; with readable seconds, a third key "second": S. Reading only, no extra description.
{"hour": 12, "minute": 16}
